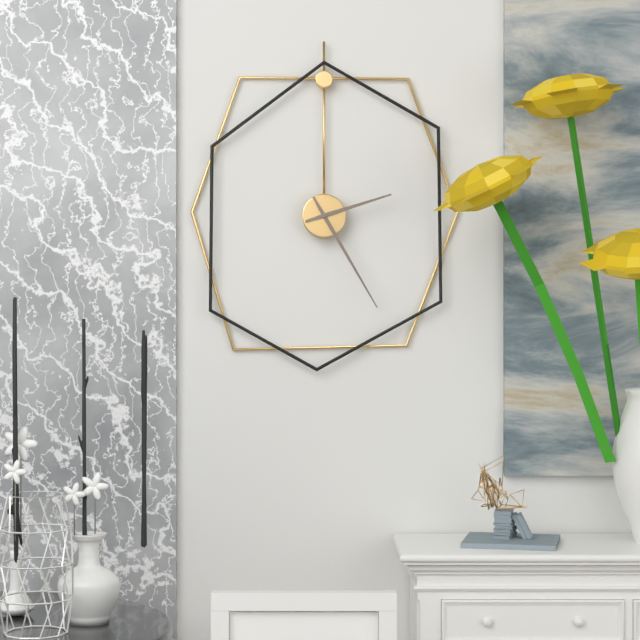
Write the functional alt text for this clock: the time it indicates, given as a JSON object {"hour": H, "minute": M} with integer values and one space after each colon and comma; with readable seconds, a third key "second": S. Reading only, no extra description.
{"hour": 2, "minute": 25}
